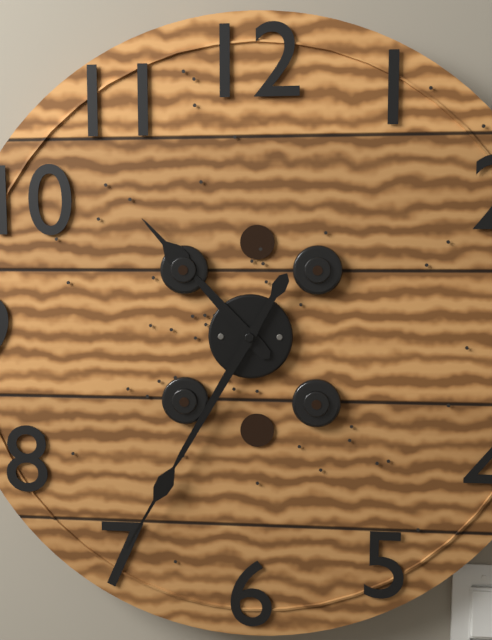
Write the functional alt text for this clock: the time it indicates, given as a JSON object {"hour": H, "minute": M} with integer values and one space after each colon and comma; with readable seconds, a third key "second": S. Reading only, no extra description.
{"hour": 10, "minute": 35}
